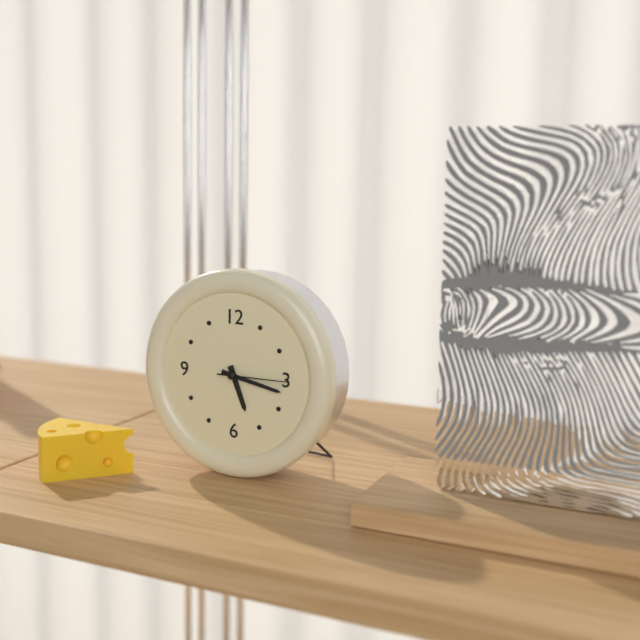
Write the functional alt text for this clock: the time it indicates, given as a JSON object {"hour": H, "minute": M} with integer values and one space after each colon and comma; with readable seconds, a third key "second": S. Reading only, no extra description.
{"hour": 5, "minute": 17, "second": 15}
